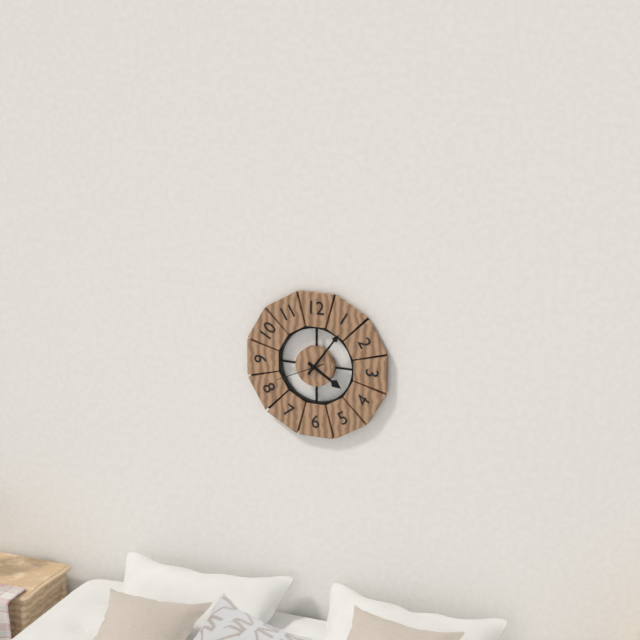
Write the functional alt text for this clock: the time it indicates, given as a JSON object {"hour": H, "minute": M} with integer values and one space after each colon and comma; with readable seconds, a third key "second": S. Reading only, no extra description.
{"hour": 4, "minute": 6}
